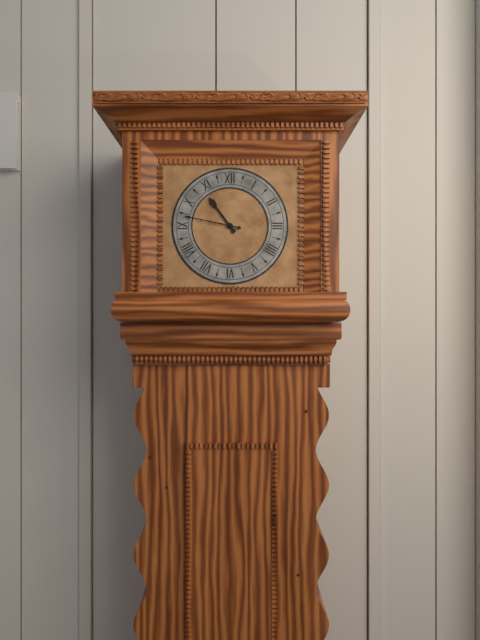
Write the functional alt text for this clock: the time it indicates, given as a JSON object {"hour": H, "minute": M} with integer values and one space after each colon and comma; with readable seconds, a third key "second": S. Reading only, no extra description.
{"hour": 10, "minute": 47}
